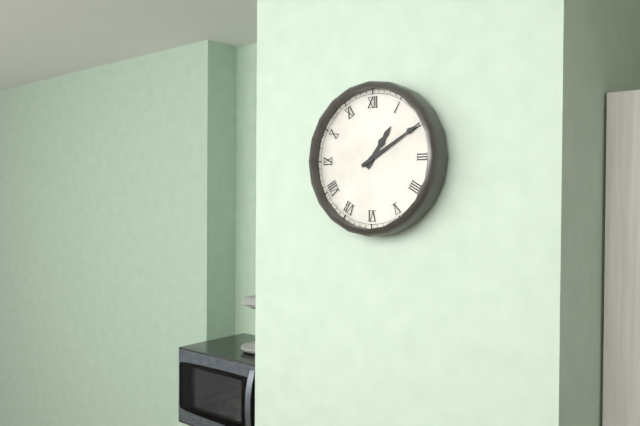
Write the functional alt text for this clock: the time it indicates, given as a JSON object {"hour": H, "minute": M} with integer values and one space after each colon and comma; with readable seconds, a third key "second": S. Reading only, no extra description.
{"hour": 1, "minute": 10}
